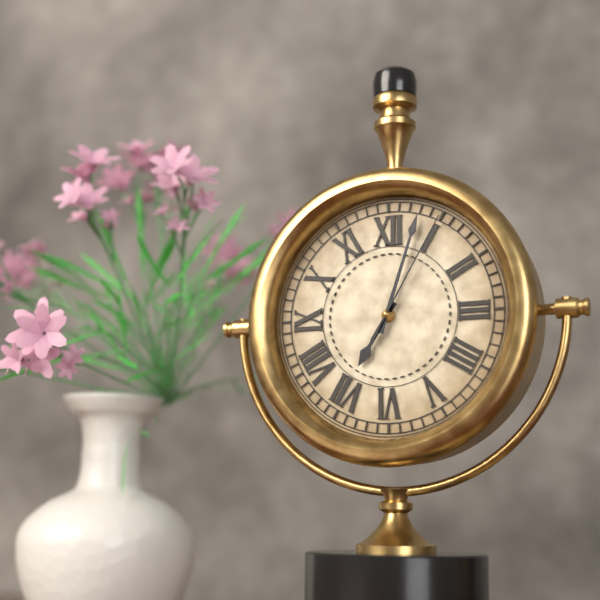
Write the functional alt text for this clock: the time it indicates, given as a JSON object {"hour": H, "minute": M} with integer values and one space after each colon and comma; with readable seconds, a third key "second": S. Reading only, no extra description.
{"hour": 7, "minute": 3, "second": 5}
